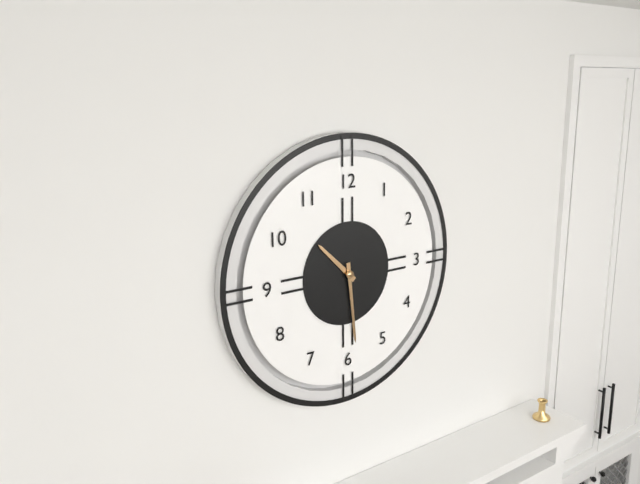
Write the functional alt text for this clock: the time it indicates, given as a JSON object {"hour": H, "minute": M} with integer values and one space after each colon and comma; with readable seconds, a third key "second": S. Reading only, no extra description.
{"hour": 10, "minute": 29}
